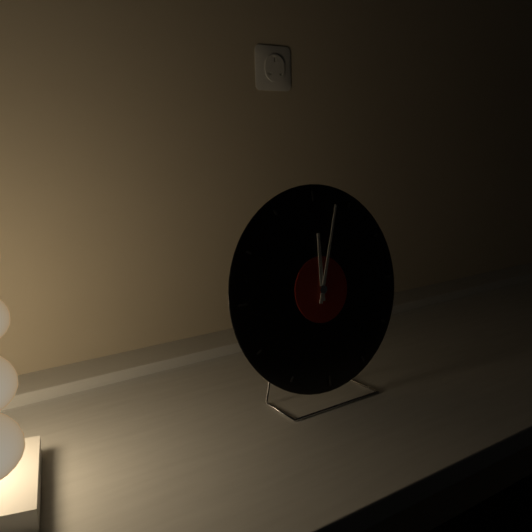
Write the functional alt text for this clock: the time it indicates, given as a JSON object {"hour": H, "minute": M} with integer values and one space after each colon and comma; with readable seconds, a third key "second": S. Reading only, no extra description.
{"hour": 12, "minute": 3}
